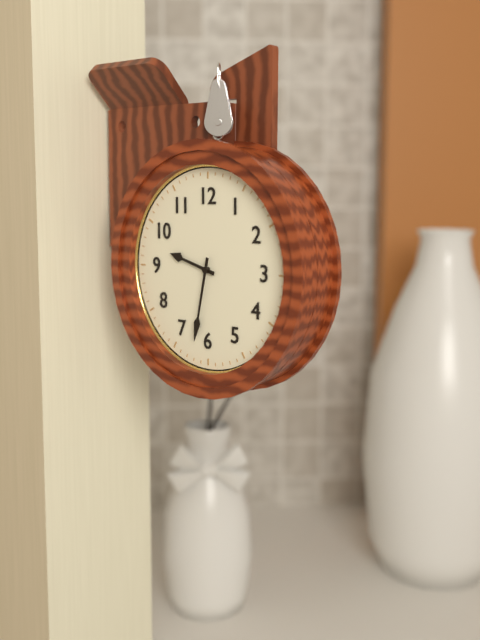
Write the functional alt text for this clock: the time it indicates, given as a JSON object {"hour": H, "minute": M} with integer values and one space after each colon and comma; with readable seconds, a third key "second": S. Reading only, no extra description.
{"hour": 9, "minute": 32}
